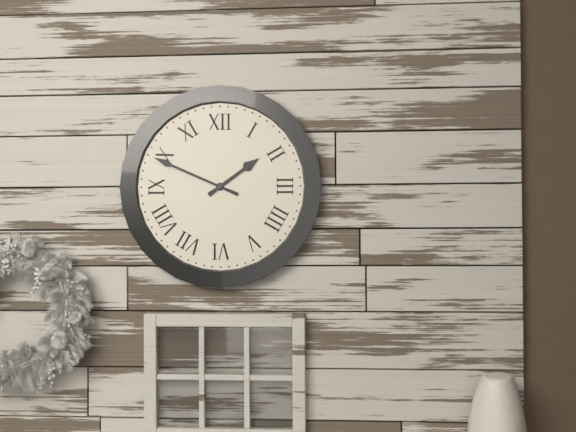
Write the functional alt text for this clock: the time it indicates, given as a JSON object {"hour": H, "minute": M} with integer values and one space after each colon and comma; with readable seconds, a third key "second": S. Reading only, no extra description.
{"hour": 1, "minute": 49}
